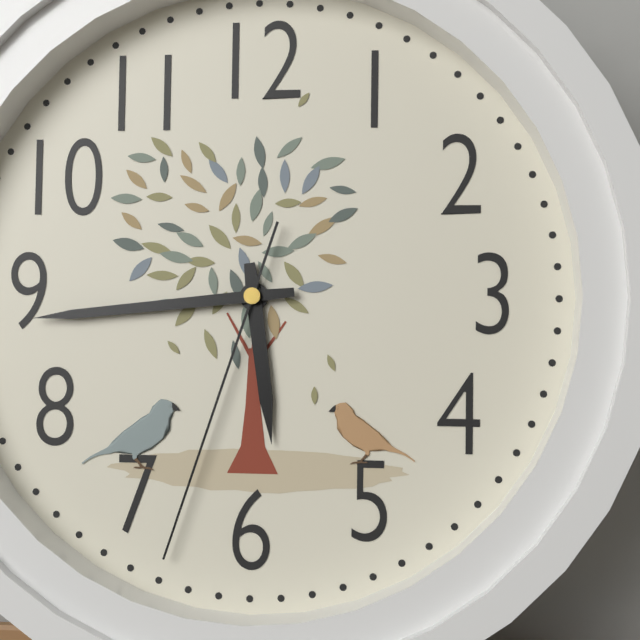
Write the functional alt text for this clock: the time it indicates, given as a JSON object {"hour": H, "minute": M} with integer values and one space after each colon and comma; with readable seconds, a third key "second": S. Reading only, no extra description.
{"hour": 5, "minute": 44, "second": 33}
